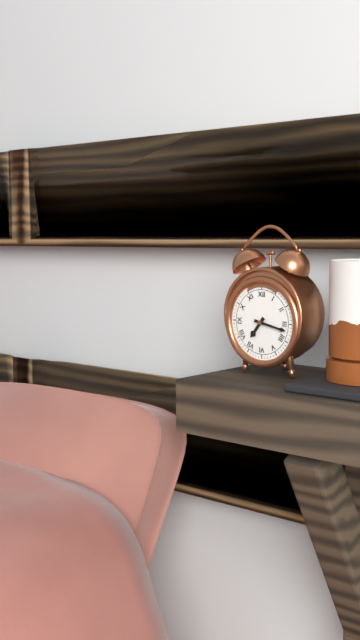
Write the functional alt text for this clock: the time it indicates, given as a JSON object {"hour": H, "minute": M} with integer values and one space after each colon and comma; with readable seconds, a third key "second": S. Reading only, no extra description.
{"hour": 7, "minute": 17}
